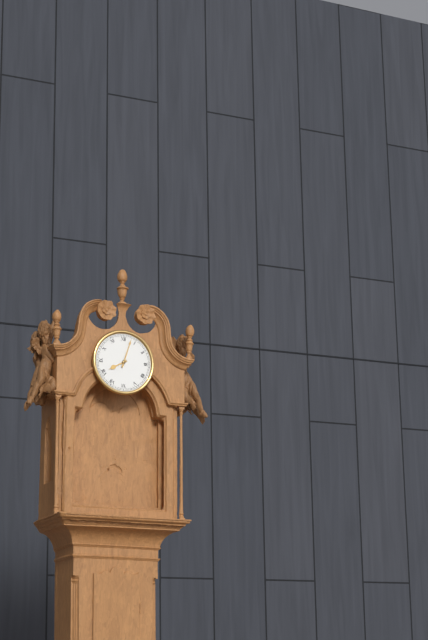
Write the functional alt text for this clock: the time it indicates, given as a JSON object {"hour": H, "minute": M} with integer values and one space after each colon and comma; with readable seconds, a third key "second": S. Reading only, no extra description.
{"hour": 8, "minute": 3}
